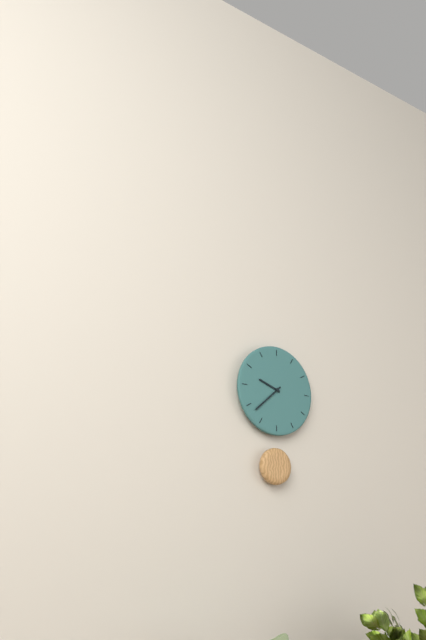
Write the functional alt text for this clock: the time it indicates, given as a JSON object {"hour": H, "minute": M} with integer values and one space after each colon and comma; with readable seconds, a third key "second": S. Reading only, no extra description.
{"hour": 9, "minute": 38}
